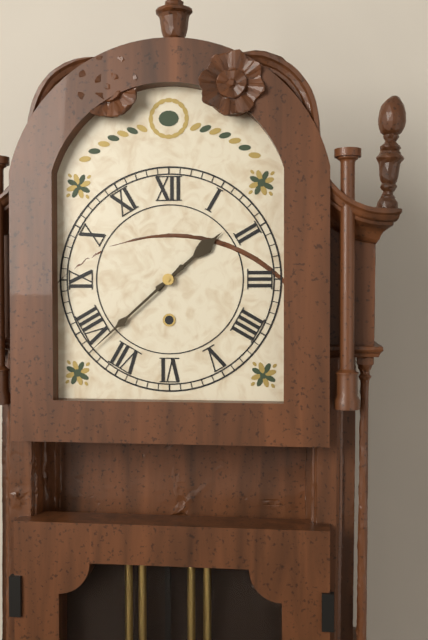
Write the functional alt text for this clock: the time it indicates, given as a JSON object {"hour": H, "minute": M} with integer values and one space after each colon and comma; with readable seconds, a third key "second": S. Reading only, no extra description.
{"hour": 1, "minute": 38}
